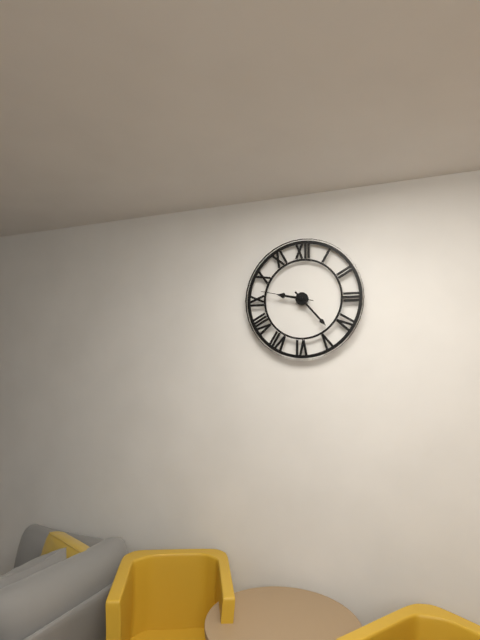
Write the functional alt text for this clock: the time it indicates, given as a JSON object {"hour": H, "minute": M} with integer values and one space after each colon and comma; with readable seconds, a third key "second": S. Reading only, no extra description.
{"hour": 9, "minute": 23, "second": 47}
